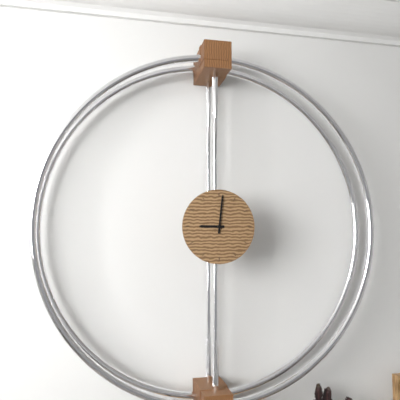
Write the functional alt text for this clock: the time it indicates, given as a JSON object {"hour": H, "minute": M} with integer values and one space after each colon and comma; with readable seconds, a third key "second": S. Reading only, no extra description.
{"hour": 9, "minute": 1}
